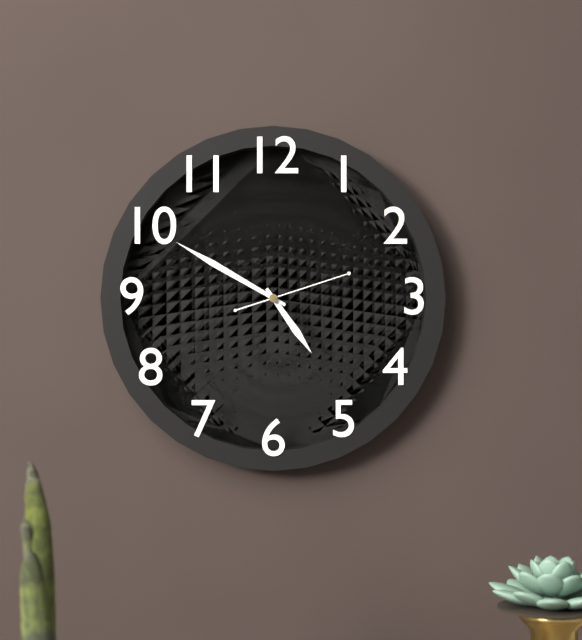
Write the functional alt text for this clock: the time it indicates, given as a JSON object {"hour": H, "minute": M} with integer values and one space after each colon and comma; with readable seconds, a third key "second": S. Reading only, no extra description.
{"hour": 4, "minute": 50, "second": 12}
